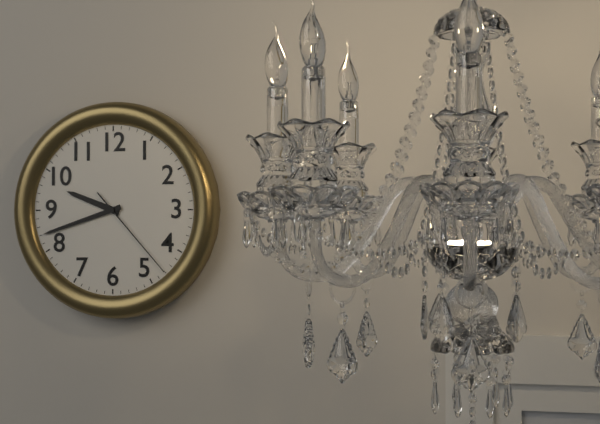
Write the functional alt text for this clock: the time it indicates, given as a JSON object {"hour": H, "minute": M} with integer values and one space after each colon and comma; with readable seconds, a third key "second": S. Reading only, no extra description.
{"hour": 9, "minute": 42, "second": 23}
